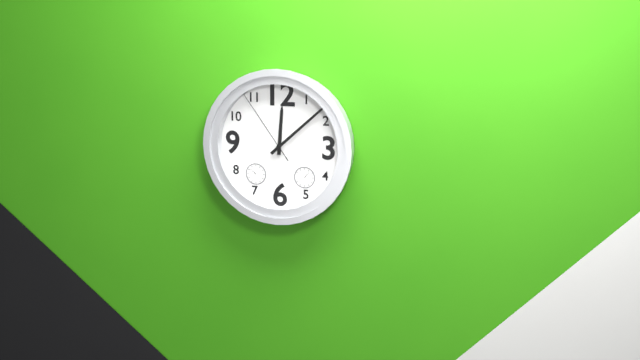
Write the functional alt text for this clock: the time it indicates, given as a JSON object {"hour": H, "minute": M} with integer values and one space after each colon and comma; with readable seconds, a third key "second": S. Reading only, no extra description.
{"hour": 12, "minute": 8, "second": 54}
